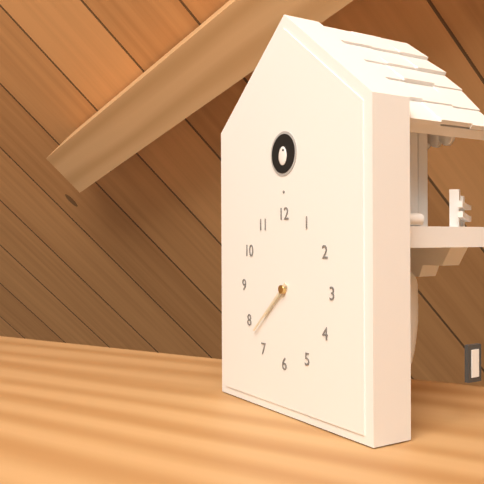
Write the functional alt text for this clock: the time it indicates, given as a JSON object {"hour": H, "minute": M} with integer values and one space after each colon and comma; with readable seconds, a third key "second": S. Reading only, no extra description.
{"hour": 7, "minute": 38}
